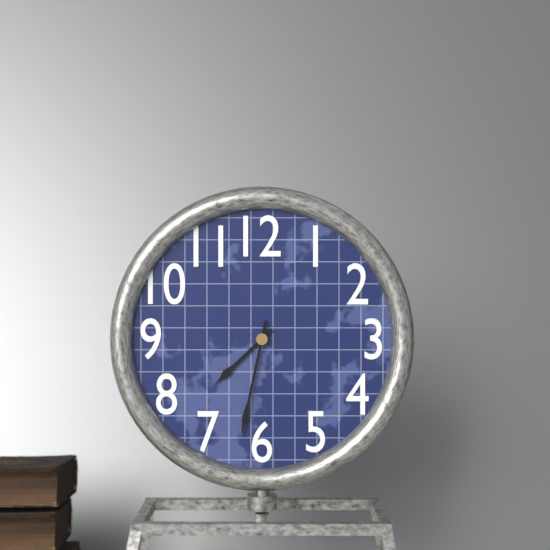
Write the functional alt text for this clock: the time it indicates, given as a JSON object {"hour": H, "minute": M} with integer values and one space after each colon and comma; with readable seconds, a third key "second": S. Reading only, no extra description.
{"hour": 7, "minute": 32}
